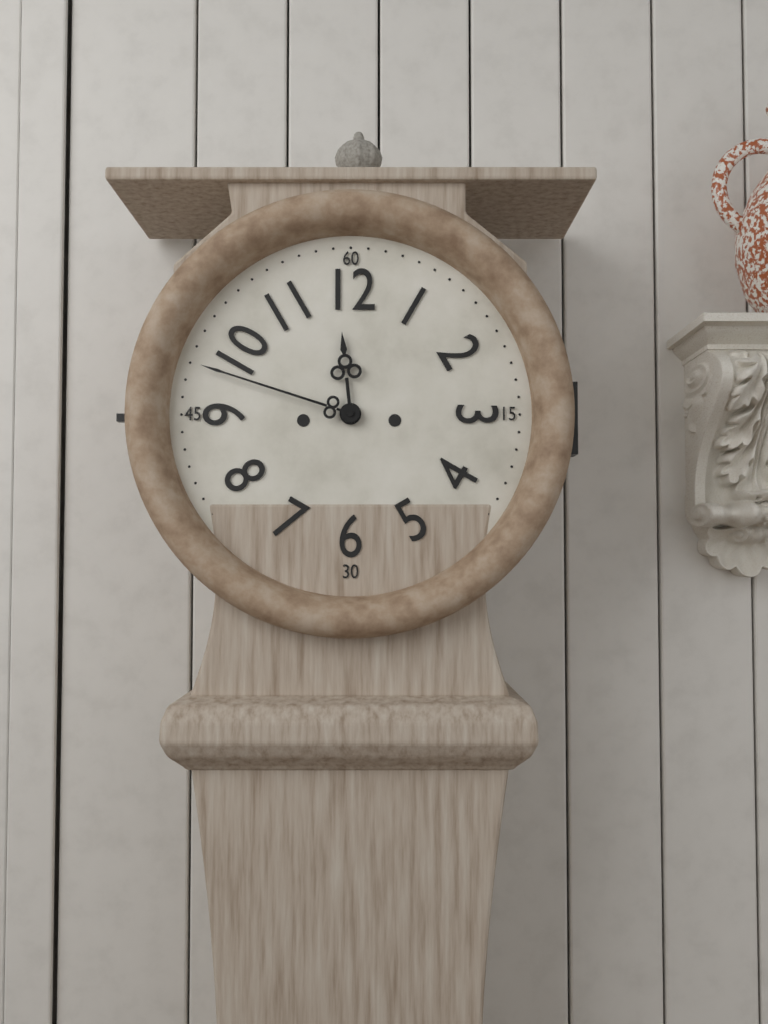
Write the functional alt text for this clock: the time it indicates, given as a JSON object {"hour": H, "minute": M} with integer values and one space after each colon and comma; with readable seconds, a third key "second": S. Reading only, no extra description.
{"hour": 11, "minute": 48}
